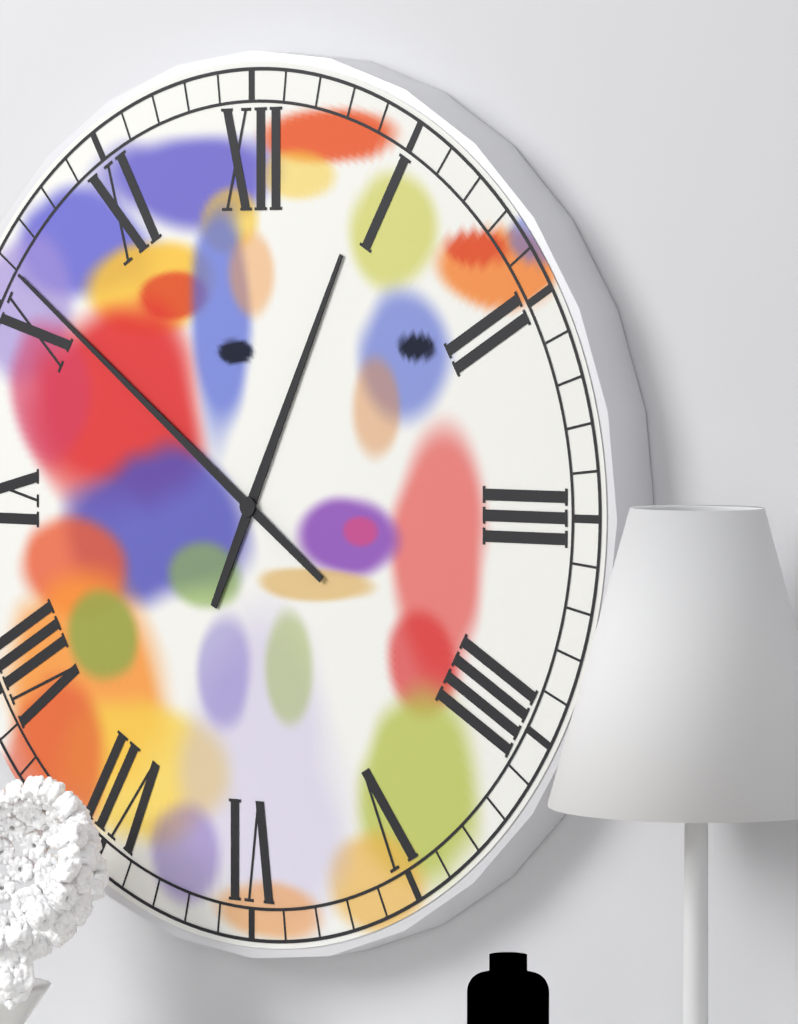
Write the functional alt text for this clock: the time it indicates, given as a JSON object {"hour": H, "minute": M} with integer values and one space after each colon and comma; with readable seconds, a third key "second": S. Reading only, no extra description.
{"hour": 12, "minute": 51}
